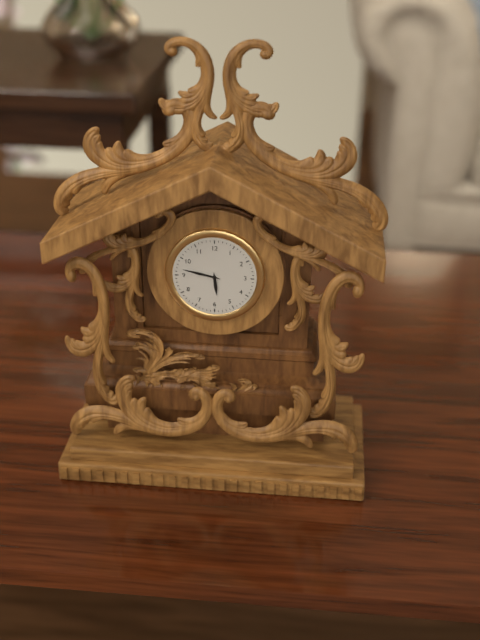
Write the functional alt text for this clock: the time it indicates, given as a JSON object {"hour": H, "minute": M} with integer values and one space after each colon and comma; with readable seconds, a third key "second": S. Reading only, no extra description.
{"hour": 5, "minute": 47}
